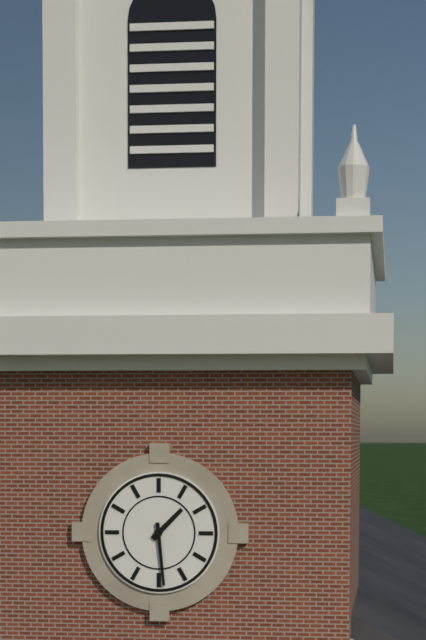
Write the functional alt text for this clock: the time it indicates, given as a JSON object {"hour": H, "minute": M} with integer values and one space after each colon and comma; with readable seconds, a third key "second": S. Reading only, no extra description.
{"hour": 1, "minute": 29}
